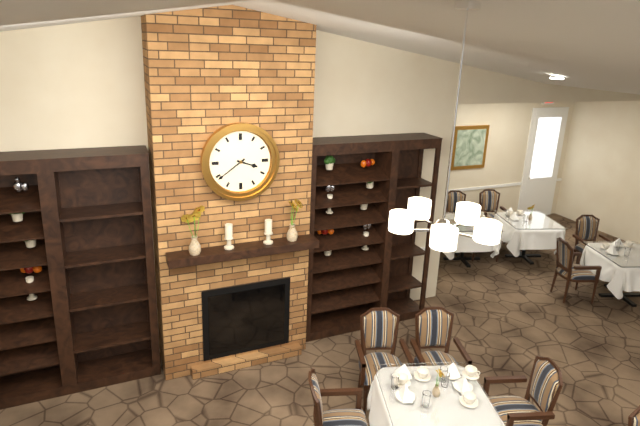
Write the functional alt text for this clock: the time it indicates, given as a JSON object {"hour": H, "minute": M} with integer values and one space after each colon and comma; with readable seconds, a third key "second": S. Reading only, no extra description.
{"hour": 3, "minute": 39}
